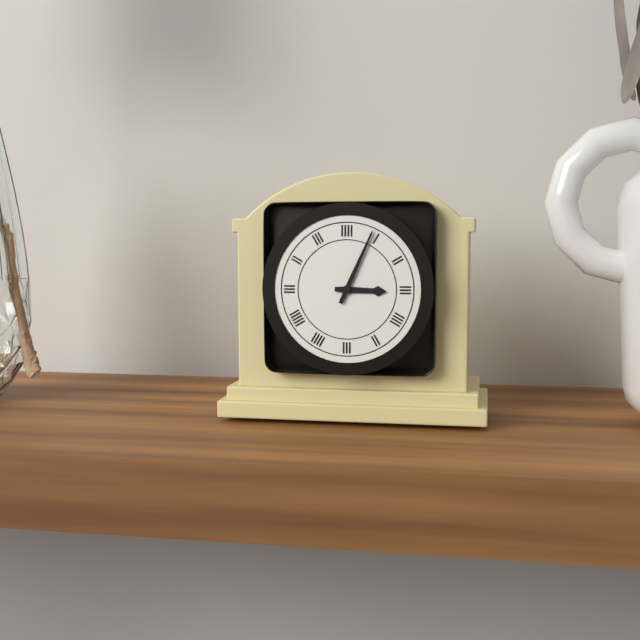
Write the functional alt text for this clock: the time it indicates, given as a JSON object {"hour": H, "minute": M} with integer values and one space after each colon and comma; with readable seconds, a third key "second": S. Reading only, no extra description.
{"hour": 3, "minute": 4}
